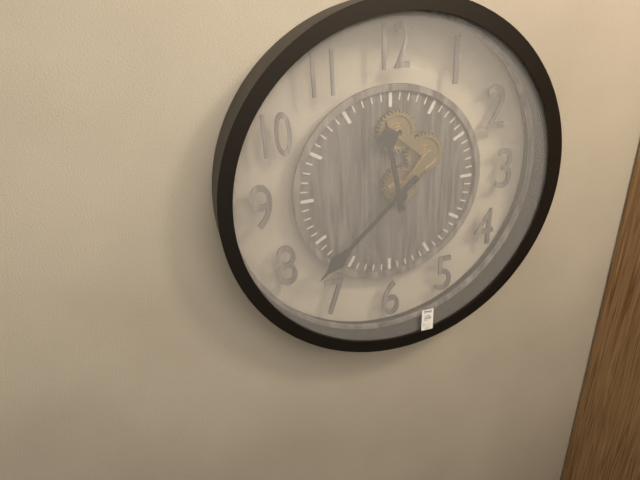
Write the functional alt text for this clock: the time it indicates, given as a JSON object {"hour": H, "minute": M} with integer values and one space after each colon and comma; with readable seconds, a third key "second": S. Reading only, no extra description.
{"hour": 11, "minute": 38}
